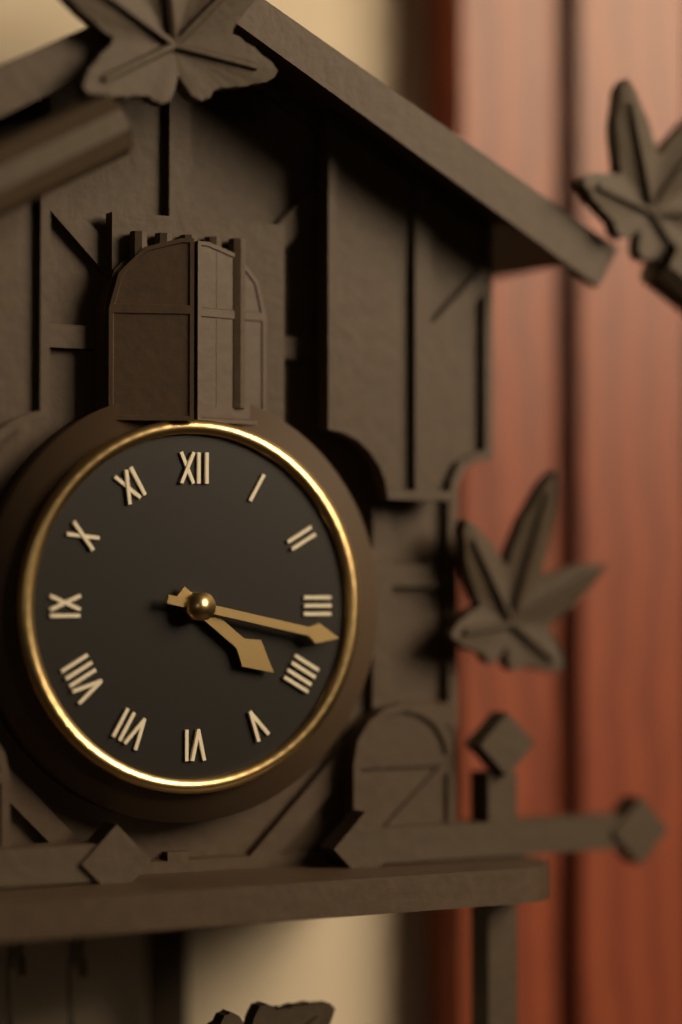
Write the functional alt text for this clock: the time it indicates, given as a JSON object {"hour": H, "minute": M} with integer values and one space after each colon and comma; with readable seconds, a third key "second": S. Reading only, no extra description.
{"hour": 4, "minute": 17}
